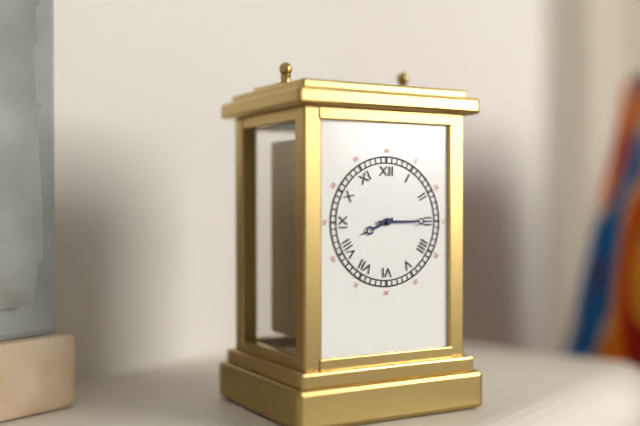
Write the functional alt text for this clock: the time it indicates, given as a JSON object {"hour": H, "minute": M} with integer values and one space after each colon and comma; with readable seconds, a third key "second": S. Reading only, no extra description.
{"hour": 8, "minute": 15}
